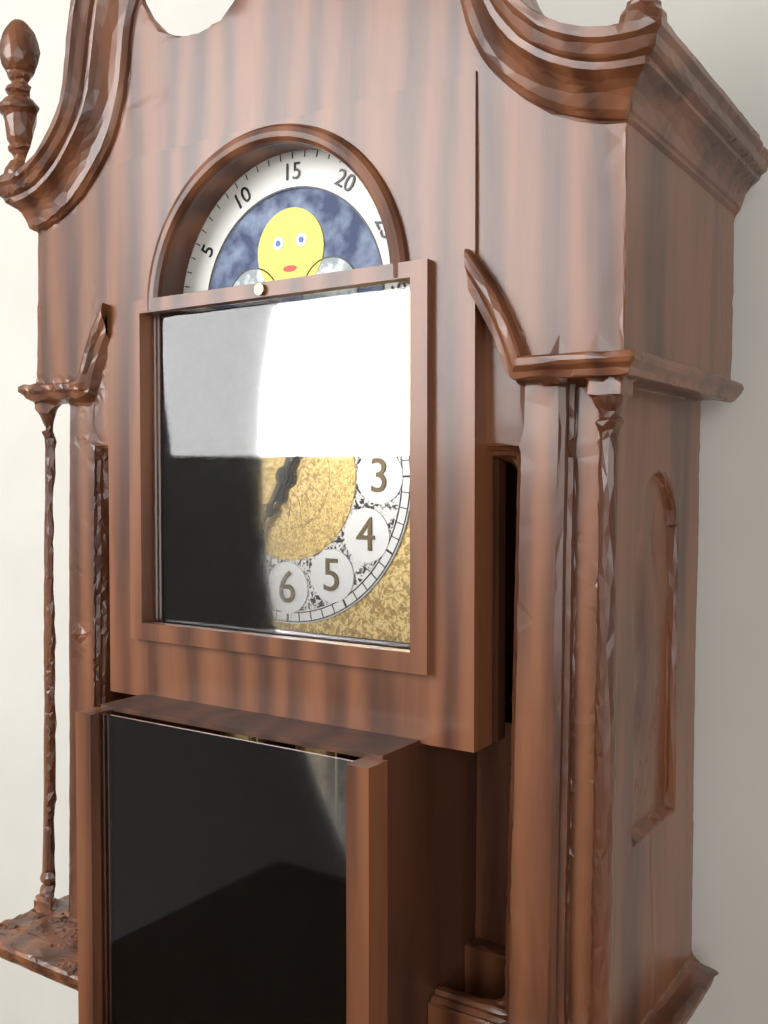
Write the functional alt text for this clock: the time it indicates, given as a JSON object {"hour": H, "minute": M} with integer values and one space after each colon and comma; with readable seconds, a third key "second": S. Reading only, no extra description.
{"hour": 12, "minute": 35}
